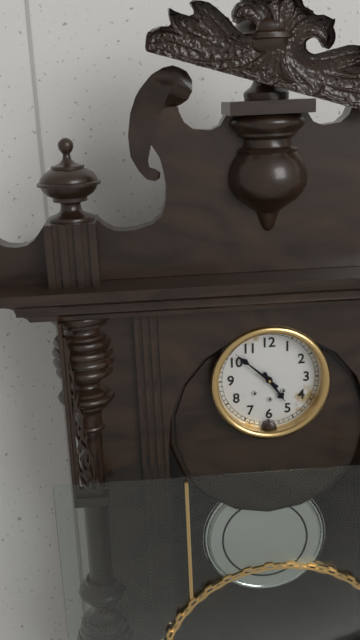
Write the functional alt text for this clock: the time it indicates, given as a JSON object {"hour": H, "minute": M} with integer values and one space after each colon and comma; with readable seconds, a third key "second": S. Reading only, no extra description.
{"hour": 4, "minute": 52}
